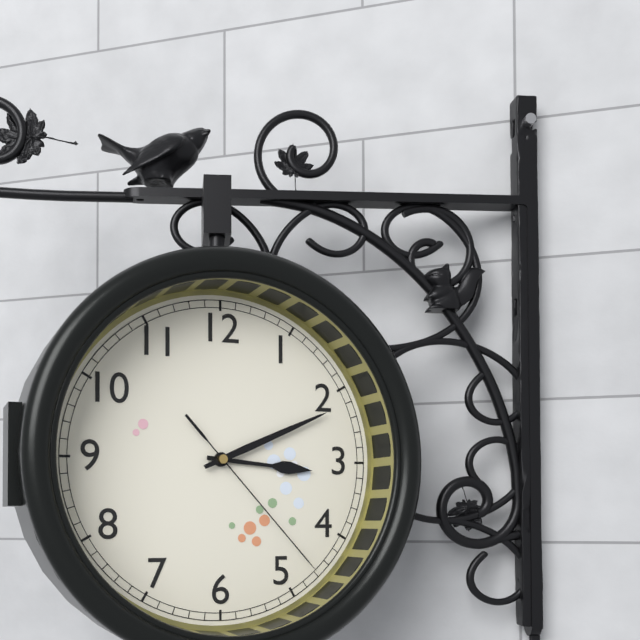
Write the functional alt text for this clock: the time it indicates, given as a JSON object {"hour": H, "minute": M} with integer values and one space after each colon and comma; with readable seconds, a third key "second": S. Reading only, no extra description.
{"hour": 3, "minute": 11, "second": 23}
